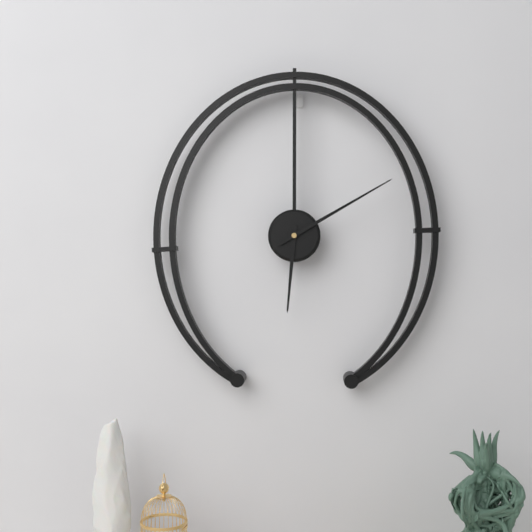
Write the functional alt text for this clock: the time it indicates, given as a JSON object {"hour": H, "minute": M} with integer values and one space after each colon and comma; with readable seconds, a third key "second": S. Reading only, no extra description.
{"hour": 6, "minute": 10}
